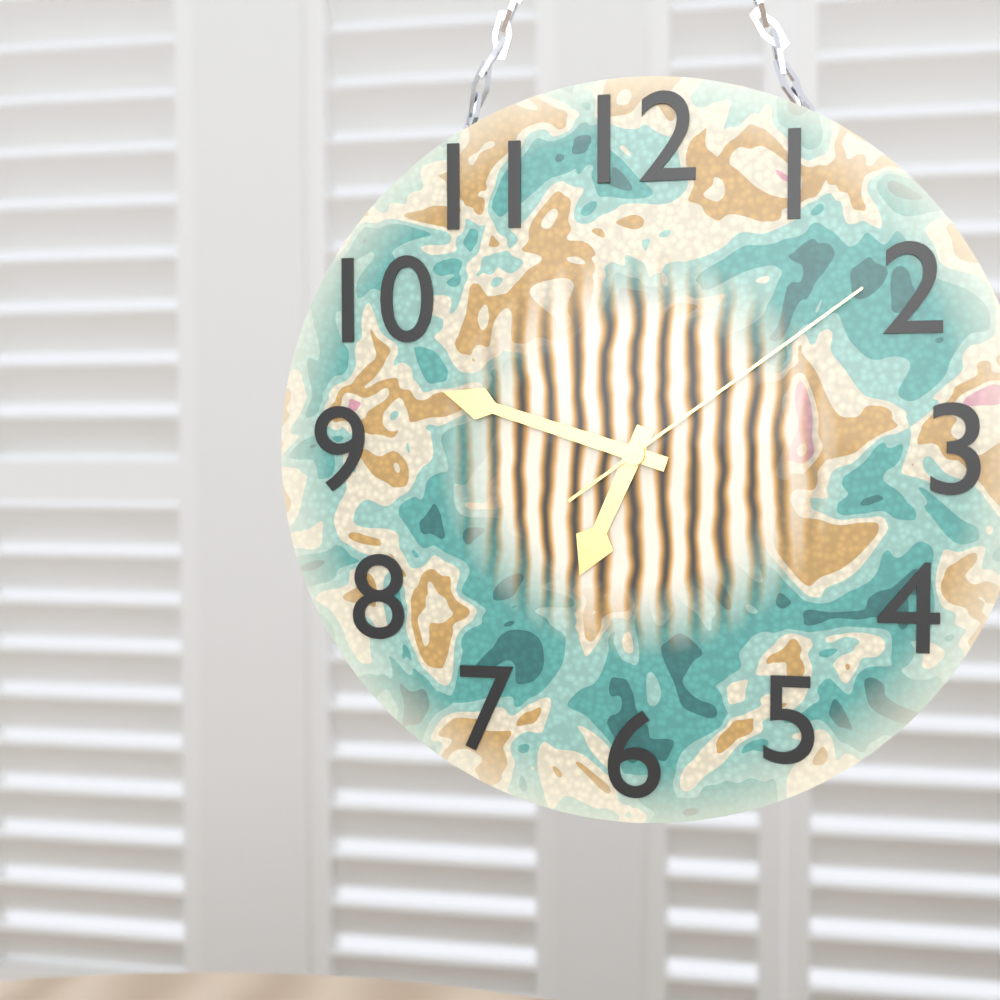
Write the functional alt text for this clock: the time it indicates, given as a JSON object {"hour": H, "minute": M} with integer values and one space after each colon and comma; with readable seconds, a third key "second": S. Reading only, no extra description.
{"hour": 6, "minute": 48, "second": 9}
